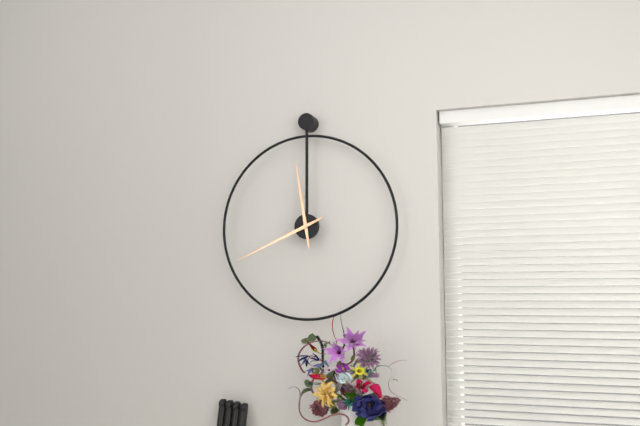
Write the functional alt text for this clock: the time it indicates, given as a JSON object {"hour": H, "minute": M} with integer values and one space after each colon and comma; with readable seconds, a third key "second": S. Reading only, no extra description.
{"hour": 11, "minute": 41}
